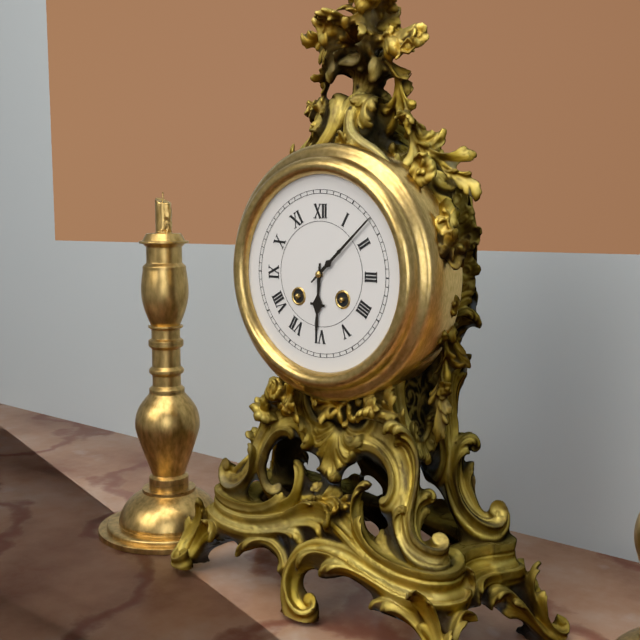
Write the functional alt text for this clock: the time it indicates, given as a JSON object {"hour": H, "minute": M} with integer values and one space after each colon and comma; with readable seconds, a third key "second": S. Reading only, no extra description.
{"hour": 6, "minute": 8}
